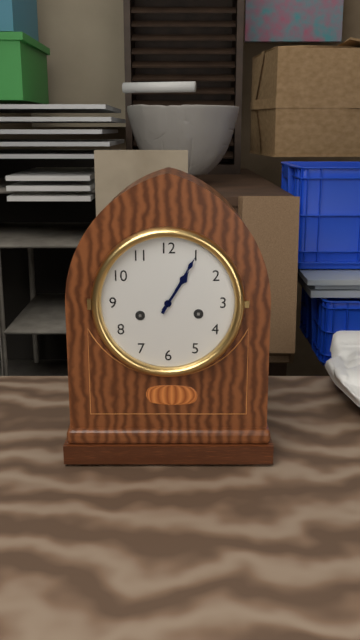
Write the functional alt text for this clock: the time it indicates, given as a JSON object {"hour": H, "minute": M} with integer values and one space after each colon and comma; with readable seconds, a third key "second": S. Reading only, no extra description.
{"hour": 1, "minute": 5}
